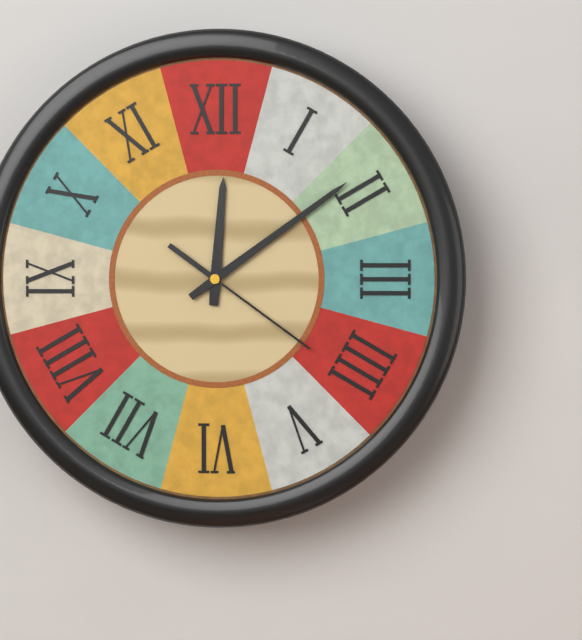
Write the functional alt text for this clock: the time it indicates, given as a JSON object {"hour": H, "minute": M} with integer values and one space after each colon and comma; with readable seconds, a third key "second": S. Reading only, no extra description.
{"hour": 12, "minute": 9, "second": 21}
